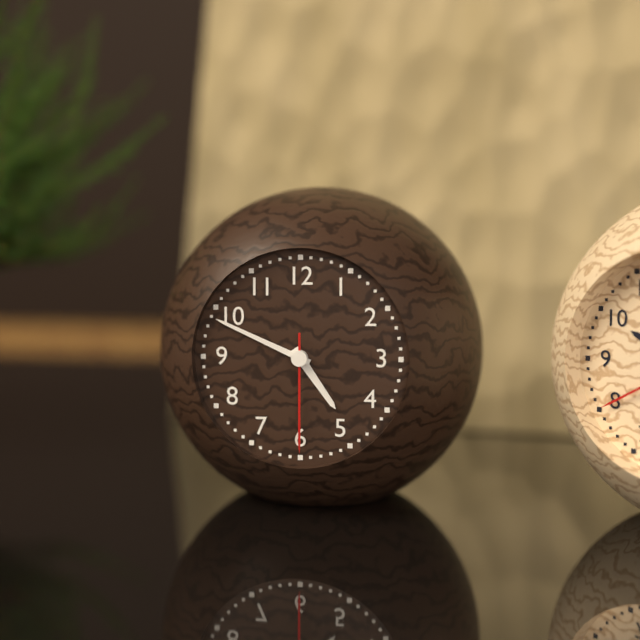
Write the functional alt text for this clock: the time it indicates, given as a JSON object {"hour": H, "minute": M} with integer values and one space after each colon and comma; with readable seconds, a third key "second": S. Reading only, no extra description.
{"hour": 4, "minute": 49, "second": 30}
